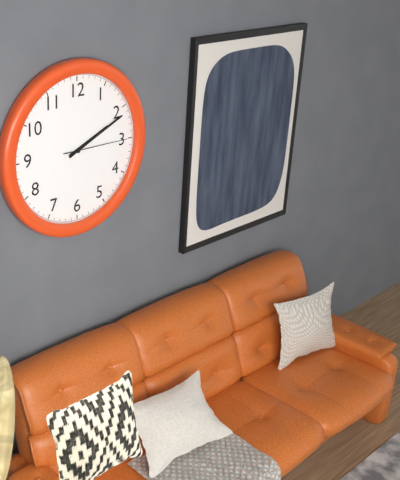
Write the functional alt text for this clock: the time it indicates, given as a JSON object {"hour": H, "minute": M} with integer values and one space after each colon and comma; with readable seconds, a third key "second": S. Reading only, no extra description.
{"hour": 2, "minute": 11, "second": 15}
